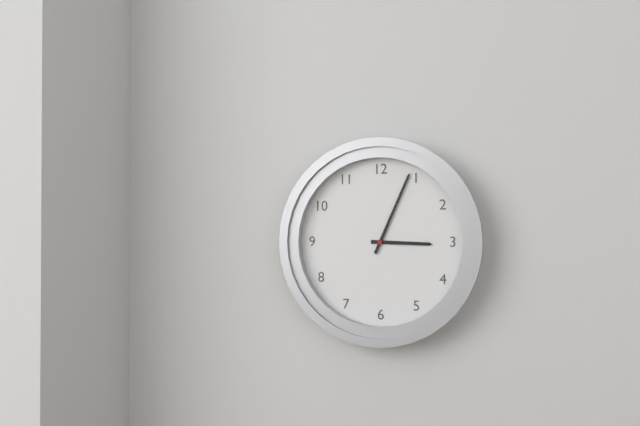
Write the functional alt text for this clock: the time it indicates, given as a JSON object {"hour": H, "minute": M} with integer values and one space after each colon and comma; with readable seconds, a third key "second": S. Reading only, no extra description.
{"hour": 3, "minute": 4}
